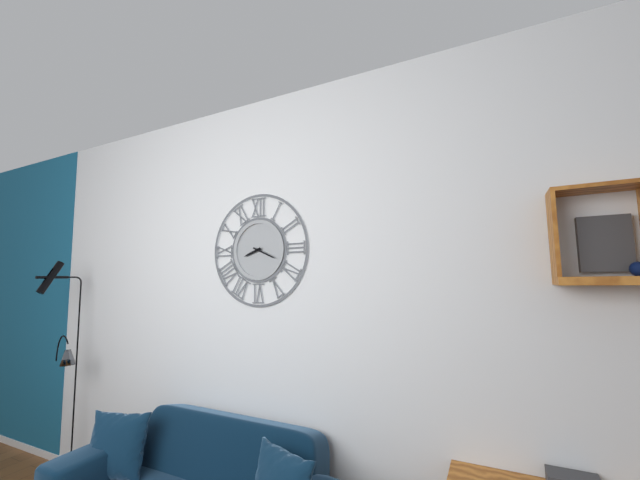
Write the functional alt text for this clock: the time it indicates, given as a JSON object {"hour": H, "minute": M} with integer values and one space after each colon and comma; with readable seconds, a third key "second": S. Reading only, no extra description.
{"hour": 8, "minute": 19}
